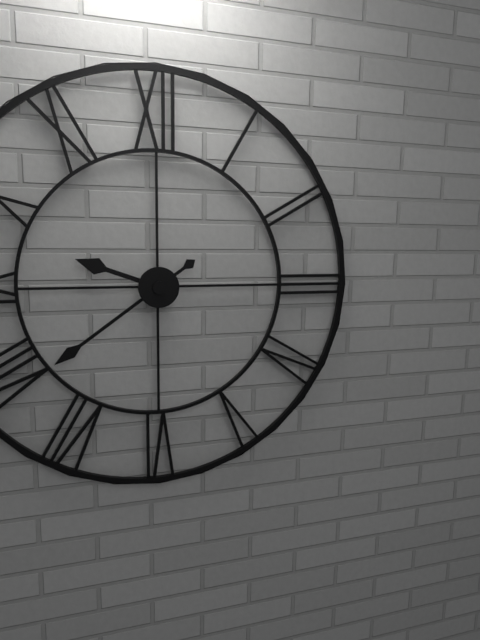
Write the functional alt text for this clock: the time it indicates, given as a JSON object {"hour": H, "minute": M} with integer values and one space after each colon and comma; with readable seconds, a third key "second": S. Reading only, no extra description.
{"hour": 9, "minute": 39}
